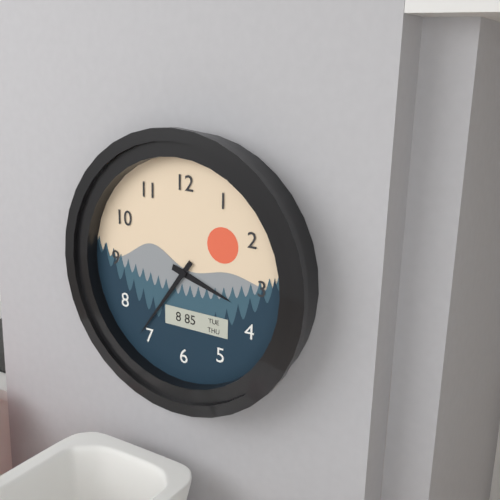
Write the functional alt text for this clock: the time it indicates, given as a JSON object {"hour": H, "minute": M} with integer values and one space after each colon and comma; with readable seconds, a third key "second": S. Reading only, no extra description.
{"hour": 3, "minute": 36}
